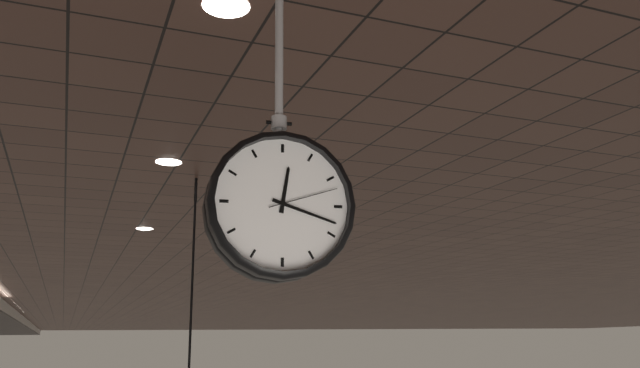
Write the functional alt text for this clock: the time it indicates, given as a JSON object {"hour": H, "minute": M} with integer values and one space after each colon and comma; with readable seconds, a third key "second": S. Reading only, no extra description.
{"hour": 12, "minute": 18, "second": 12}
